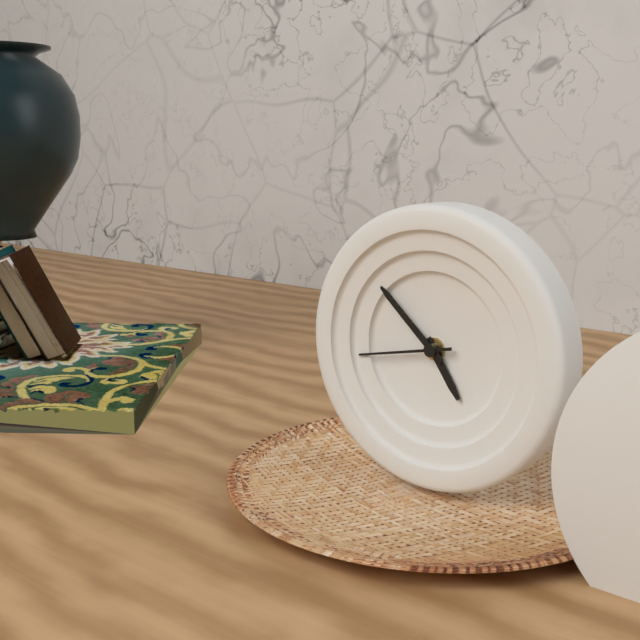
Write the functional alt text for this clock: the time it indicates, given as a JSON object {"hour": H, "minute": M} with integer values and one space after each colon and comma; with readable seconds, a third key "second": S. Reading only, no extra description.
{"hour": 4, "minute": 52, "second": 43}
